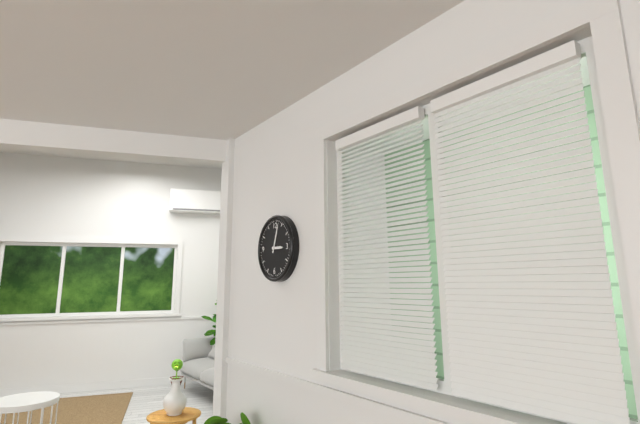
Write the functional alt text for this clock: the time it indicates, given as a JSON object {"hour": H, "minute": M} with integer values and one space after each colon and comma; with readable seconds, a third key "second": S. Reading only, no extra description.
{"hour": 3, "minute": 3}
